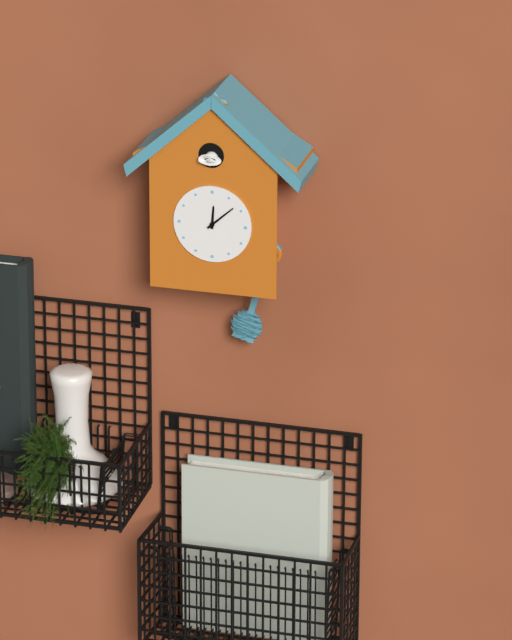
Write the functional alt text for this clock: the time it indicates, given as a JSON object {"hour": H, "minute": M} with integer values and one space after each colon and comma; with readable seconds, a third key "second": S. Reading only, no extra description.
{"hour": 12, "minute": 8}
